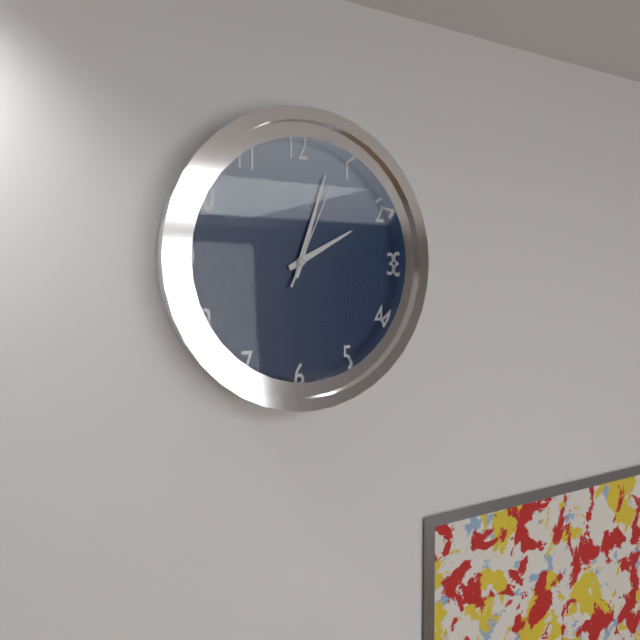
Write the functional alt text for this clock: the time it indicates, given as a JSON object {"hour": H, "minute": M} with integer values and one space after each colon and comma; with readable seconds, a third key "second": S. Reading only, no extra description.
{"hour": 2, "minute": 3, "second": 4}
